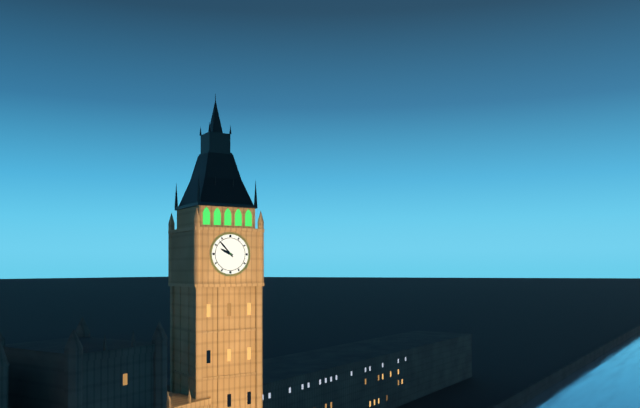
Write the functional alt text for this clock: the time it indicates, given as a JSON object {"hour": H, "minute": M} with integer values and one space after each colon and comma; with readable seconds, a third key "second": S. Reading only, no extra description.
{"hour": 9, "minute": 53}
